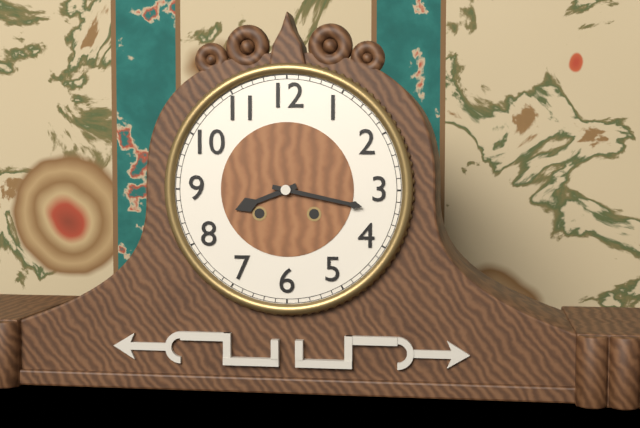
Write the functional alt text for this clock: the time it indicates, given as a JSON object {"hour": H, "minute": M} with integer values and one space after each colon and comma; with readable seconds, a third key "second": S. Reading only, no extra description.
{"hour": 8, "minute": 17}
